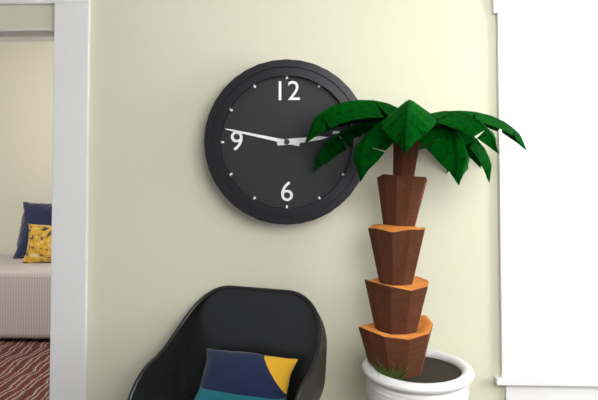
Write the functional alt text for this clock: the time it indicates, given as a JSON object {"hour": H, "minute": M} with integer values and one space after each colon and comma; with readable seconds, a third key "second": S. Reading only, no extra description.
{"hour": 2, "minute": 47}
